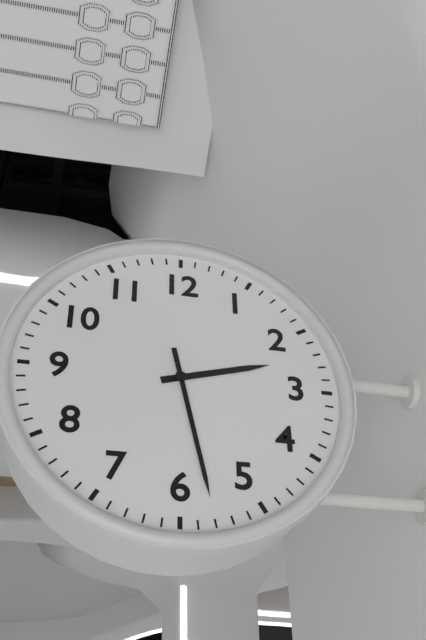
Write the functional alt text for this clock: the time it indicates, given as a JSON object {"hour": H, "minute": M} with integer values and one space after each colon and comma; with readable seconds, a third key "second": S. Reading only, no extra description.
{"hour": 2, "minute": 28}
